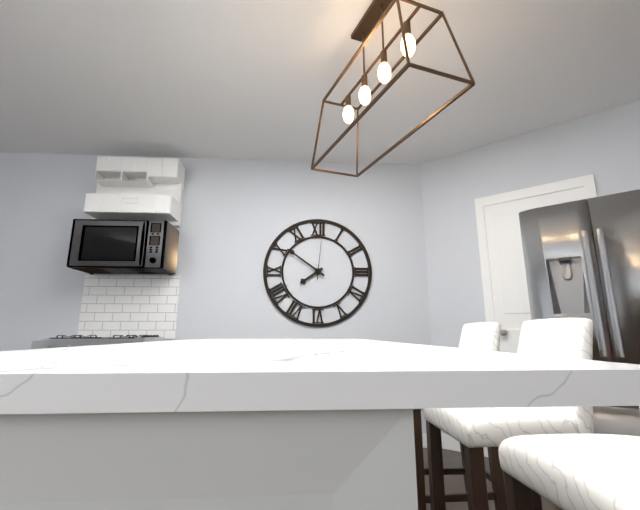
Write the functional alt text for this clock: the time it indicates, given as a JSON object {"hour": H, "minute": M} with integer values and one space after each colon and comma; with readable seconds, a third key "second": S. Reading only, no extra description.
{"hour": 7, "minute": 51}
